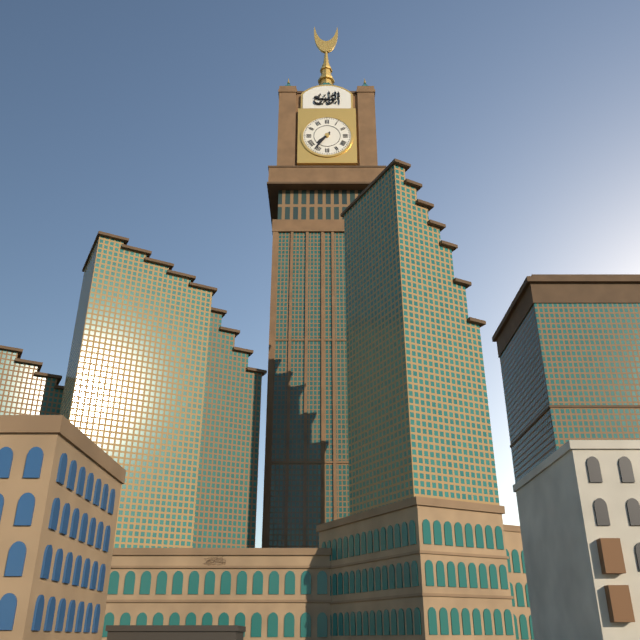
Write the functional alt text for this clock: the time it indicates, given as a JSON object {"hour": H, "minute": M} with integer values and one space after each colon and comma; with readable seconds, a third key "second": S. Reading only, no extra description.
{"hour": 7, "minute": 36}
